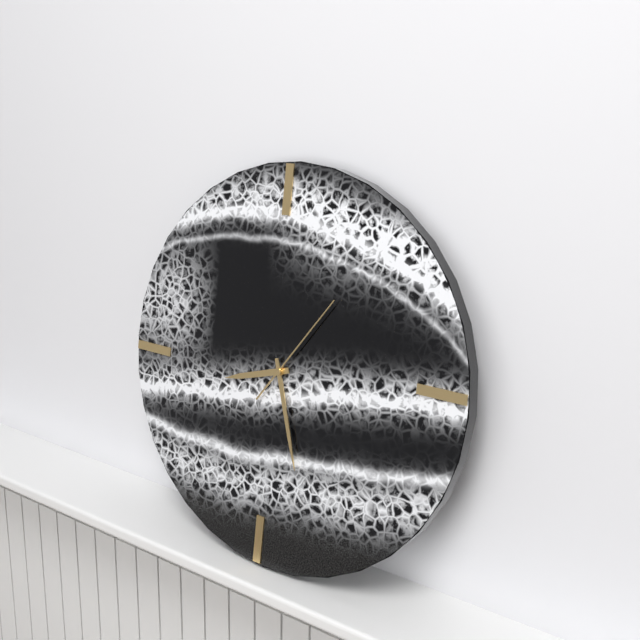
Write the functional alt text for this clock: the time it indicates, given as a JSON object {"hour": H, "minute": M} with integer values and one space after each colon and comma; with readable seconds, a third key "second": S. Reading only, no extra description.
{"hour": 8, "minute": 27, "second": 6}
